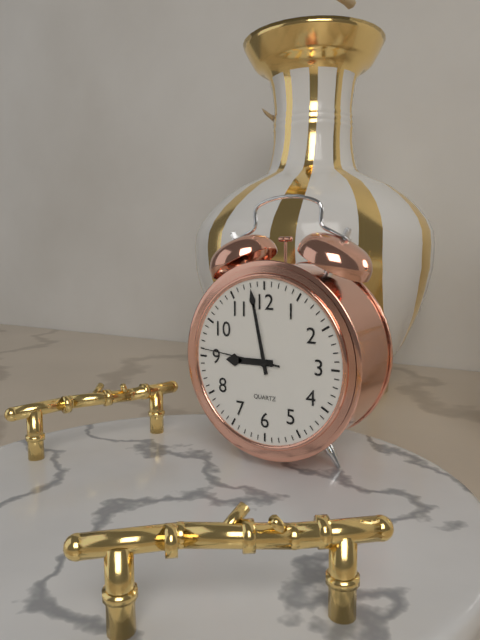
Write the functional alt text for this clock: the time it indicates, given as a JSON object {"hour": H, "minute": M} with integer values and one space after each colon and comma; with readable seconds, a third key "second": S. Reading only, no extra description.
{"hour": 8, "minute": 58, "second": 46}
